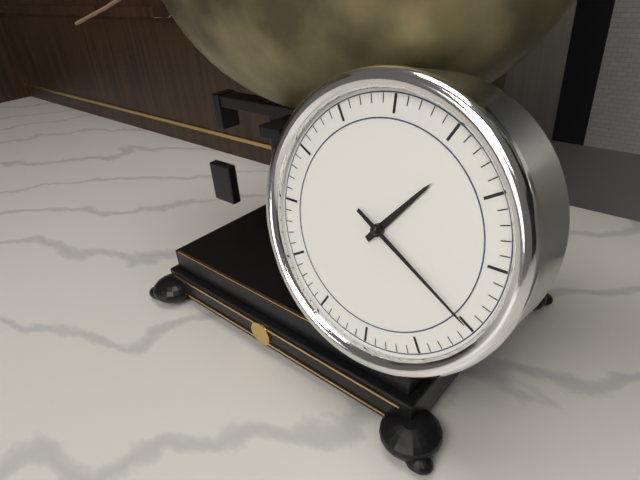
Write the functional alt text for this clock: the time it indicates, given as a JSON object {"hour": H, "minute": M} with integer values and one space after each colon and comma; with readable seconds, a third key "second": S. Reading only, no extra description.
{"hour": 1, "minute": 20}
